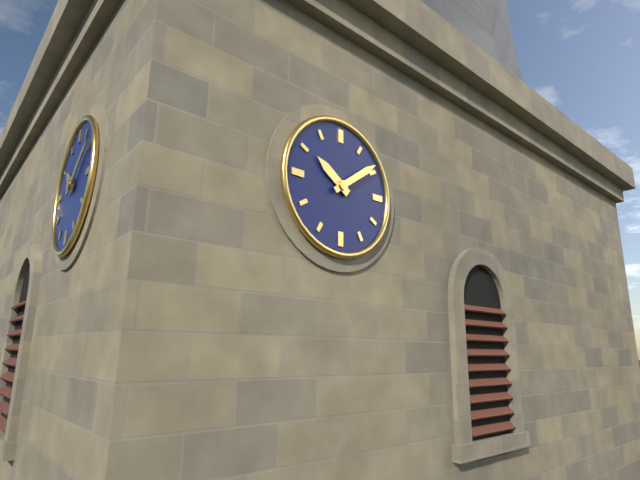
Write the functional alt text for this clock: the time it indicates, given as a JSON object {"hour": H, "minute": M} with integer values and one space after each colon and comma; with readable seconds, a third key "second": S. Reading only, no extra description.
{"hour": 10, "minute": 9}
